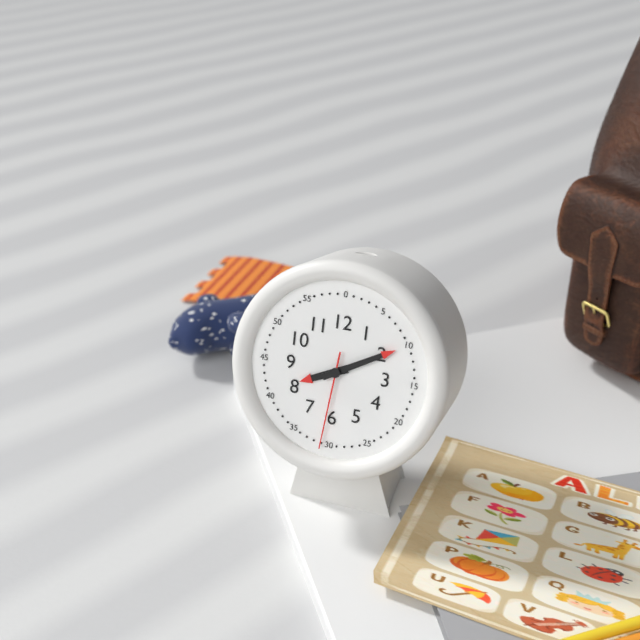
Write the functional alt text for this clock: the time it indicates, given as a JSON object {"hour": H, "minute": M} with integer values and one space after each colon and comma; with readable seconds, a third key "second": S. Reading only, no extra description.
{"hour": 8, "minute": 10, "second": 31}
